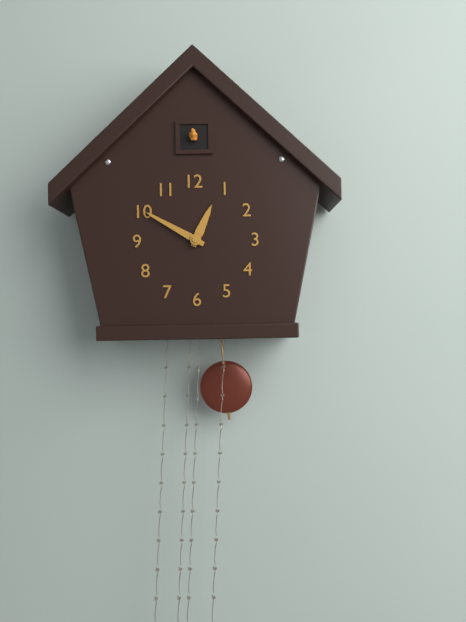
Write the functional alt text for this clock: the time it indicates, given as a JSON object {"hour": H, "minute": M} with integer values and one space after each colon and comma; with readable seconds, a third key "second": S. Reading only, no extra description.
{"hour": 12, "minute": 50}
